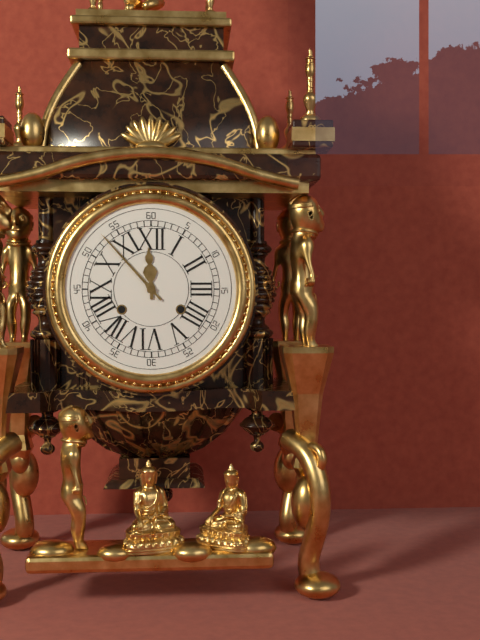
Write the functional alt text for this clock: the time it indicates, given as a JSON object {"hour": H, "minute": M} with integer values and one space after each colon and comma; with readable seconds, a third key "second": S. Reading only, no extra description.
{"hour": 11, "minute": 53}
